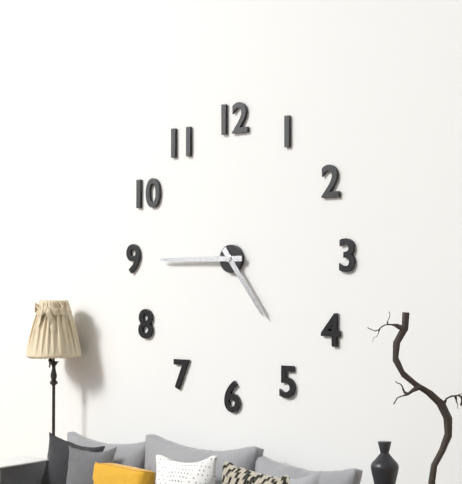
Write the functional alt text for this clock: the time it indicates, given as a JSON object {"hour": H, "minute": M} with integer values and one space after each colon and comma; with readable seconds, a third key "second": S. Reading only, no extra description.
{"hour": 4, "minute": 45}
